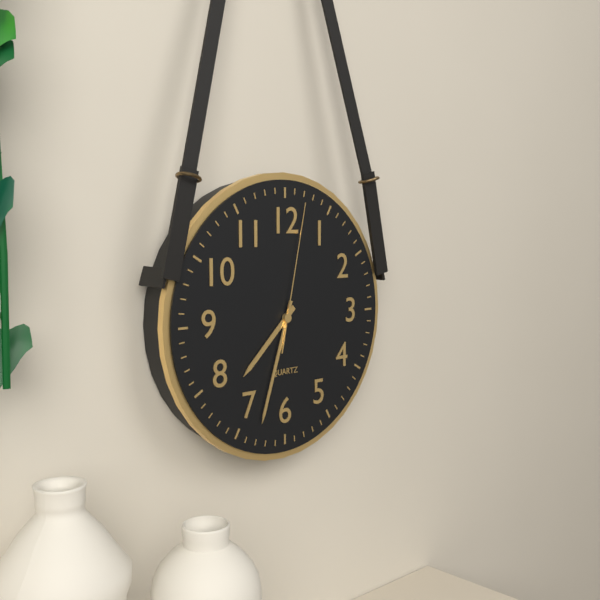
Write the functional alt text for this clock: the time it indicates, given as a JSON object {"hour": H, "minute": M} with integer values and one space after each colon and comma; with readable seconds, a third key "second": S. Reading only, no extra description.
{"hour": 7, "minute": 33, "second": 2}
